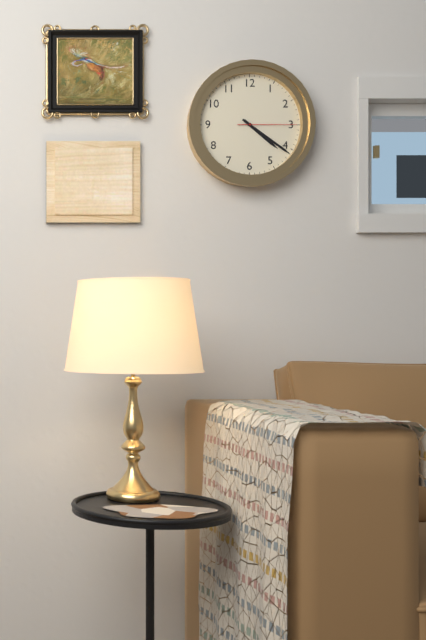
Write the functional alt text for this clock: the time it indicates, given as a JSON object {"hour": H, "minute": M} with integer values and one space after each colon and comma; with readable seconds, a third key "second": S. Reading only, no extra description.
{"hour": 4, "minute": 21, "second": 15}
